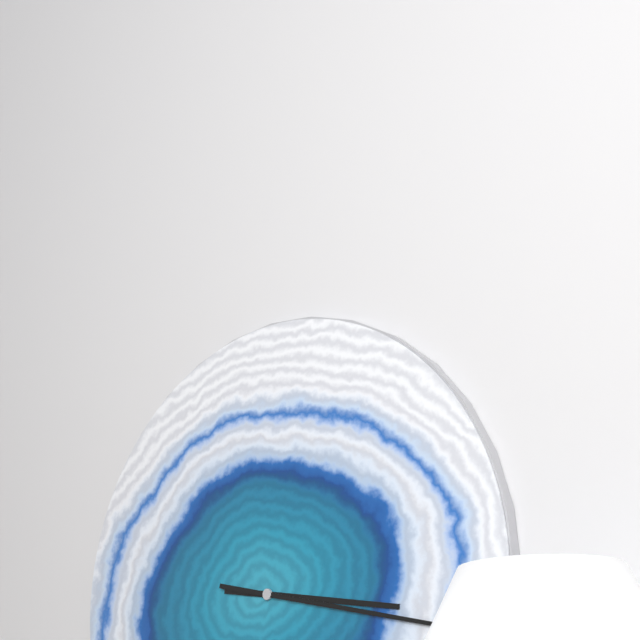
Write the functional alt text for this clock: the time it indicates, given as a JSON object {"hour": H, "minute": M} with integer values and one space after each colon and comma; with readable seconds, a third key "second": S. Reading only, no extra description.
{"hour": 3, "minute": 17}
